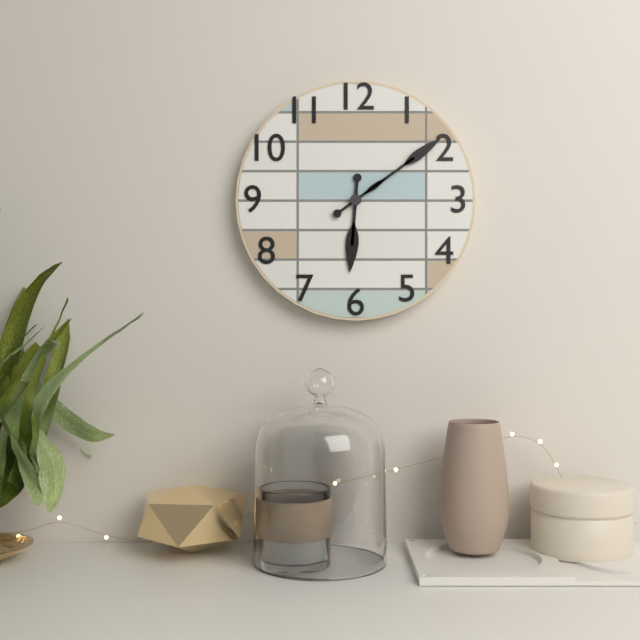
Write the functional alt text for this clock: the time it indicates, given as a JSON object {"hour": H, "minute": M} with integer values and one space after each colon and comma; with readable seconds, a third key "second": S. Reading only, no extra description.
{"hour": 6, "minute": 9}
